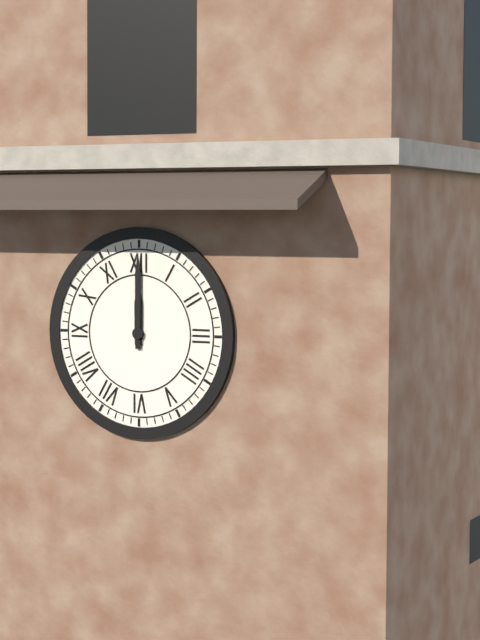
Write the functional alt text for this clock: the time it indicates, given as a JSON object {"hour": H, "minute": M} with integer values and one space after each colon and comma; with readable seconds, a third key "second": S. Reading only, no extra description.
{"hour": 12, "minute": 0}
